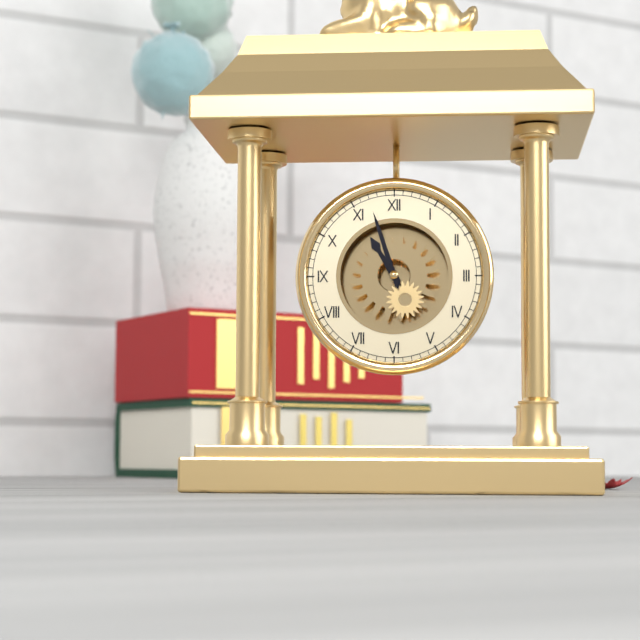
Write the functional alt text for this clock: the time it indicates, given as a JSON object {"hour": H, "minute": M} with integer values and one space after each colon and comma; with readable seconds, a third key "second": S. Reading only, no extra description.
{"hour": 10, "minute": 57}
